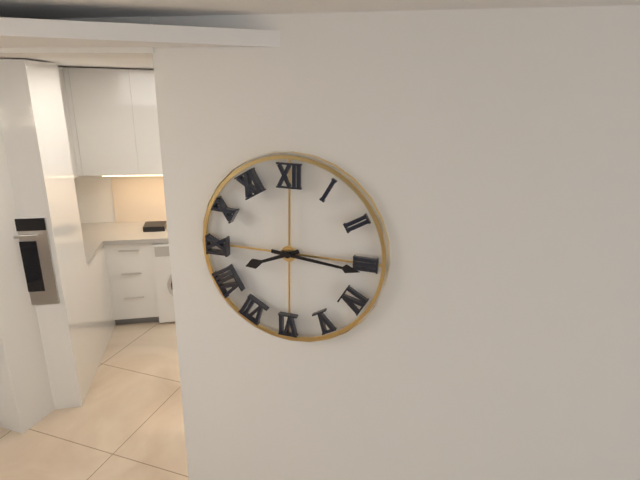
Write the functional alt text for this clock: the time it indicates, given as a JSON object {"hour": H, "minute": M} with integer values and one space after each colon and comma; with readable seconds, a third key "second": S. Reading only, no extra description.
{"hour": 8, "minute": 16}
